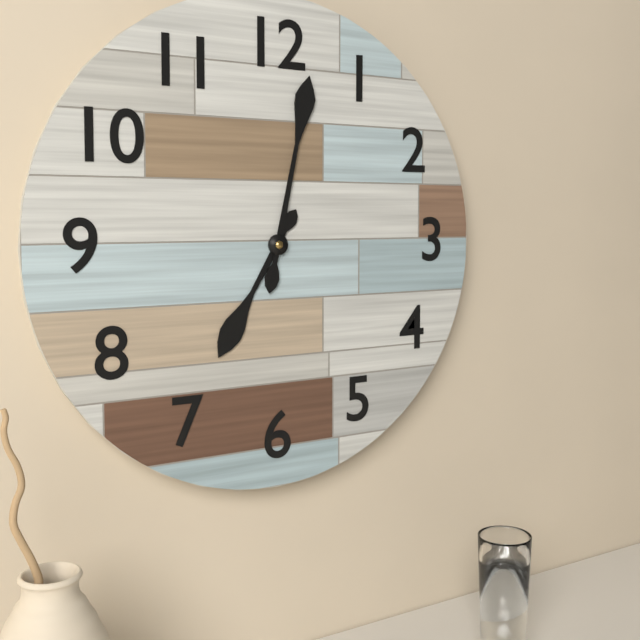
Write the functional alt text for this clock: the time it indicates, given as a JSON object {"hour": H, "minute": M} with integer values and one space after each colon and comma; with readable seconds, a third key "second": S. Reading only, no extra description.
{"hour": 7, "minute": 2}
